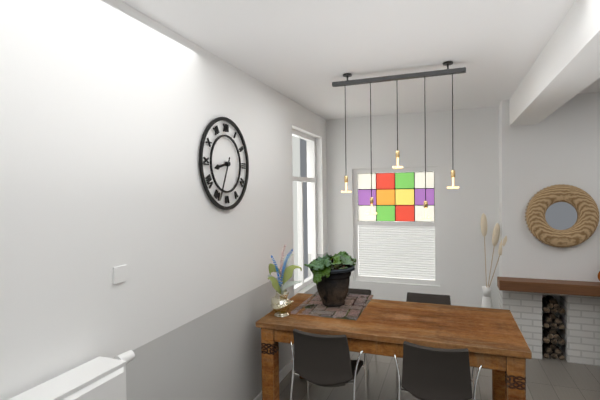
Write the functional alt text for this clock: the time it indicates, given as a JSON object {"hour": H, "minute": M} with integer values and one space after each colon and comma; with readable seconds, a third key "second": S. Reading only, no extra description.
{"hour": 8, "minute": 34}
